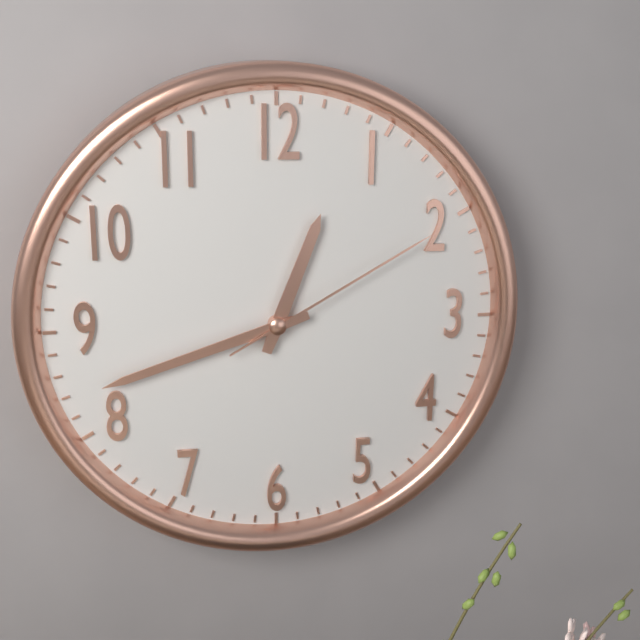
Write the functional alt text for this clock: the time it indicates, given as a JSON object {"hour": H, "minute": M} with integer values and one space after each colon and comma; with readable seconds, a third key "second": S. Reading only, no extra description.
{"hour": 12, "minute": 42, "second": 10}
